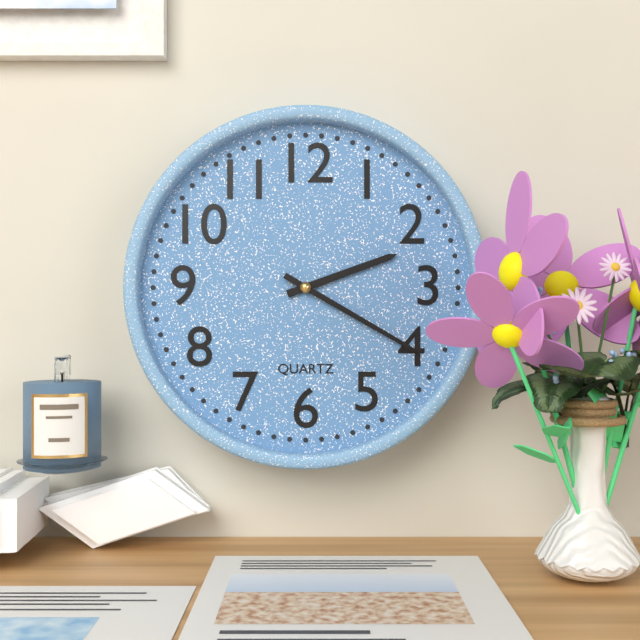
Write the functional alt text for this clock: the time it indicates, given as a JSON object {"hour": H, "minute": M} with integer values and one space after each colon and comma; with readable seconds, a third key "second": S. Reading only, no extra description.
{"hour": 2, "minute": 20}
